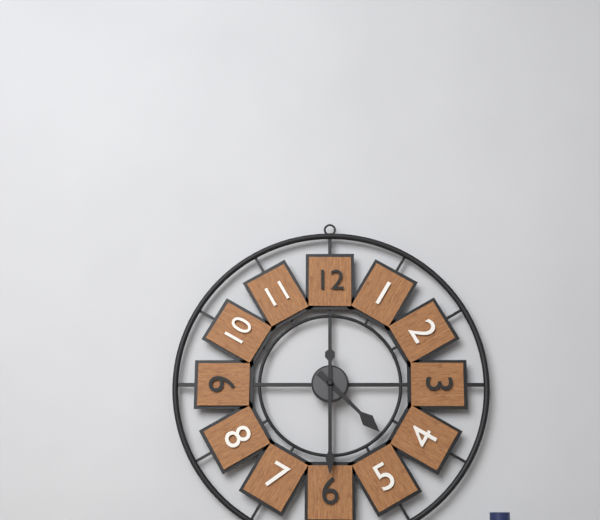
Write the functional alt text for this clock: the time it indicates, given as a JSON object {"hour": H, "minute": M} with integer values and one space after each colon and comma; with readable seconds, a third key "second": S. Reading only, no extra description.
{"hour": 4, "minute": 30}
